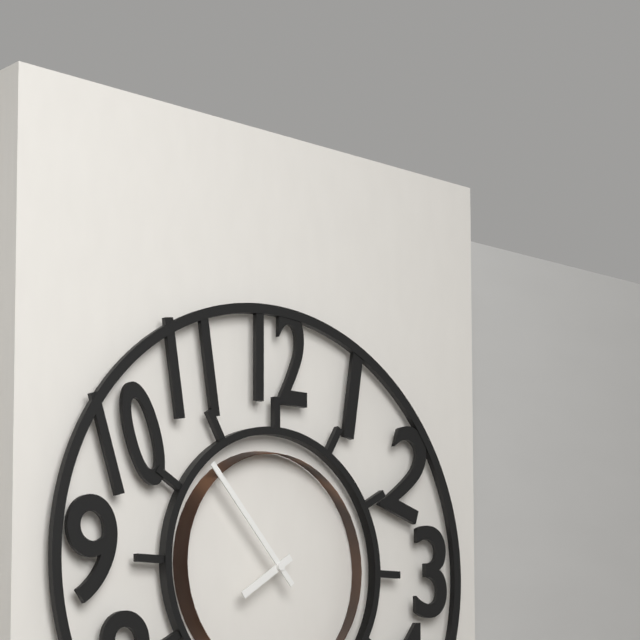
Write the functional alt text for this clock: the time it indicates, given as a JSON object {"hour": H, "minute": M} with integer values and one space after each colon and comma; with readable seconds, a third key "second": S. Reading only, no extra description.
{"hour": 7, "minute": 53}
